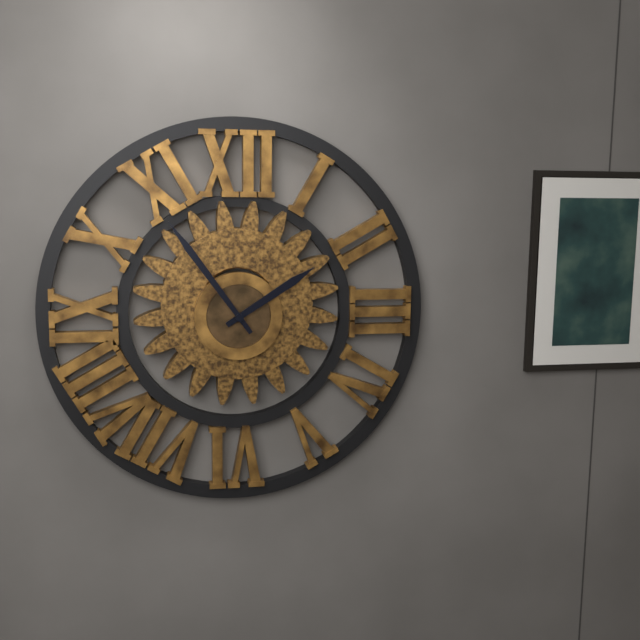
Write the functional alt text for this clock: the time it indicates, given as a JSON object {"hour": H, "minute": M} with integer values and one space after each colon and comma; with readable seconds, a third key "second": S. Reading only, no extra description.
{"hour": 1, "minute": 54}
